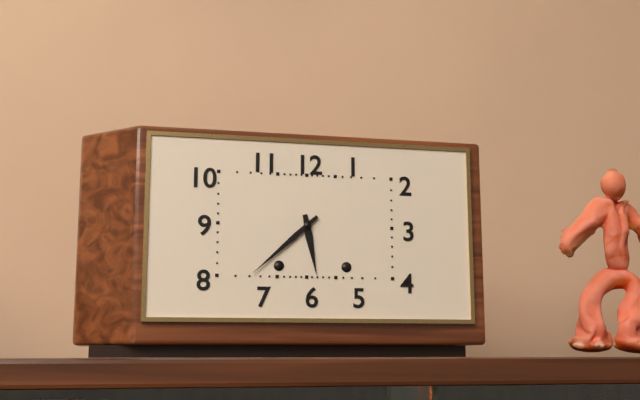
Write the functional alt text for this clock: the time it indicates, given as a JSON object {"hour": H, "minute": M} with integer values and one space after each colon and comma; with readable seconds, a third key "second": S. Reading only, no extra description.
{"hour": 5, "minute": 38}
